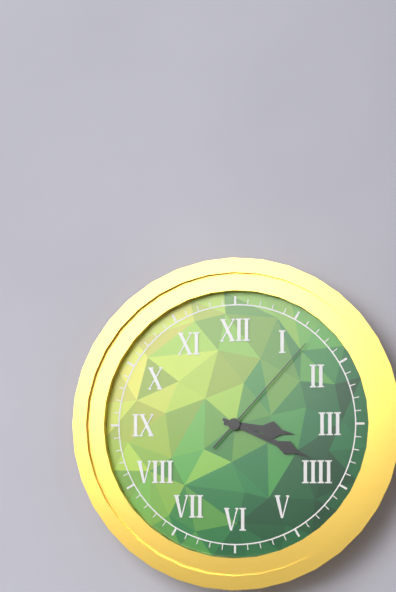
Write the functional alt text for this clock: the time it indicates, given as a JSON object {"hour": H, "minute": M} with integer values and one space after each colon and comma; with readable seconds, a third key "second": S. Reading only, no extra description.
{"hour": 3, "minute": 19, "second": 7}
